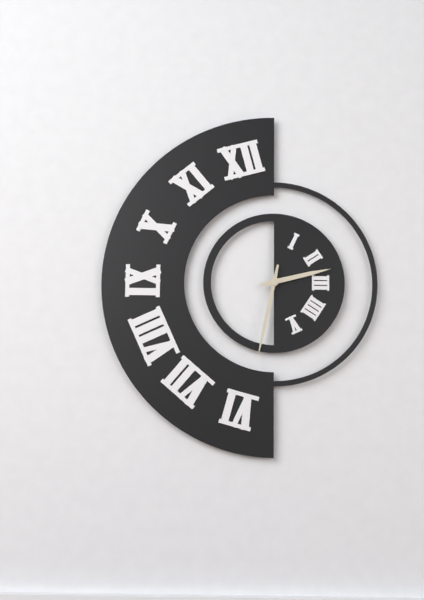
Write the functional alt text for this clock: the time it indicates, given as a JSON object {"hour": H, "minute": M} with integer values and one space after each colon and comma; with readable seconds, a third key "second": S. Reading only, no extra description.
{"hour": 2, "minute": 32}
